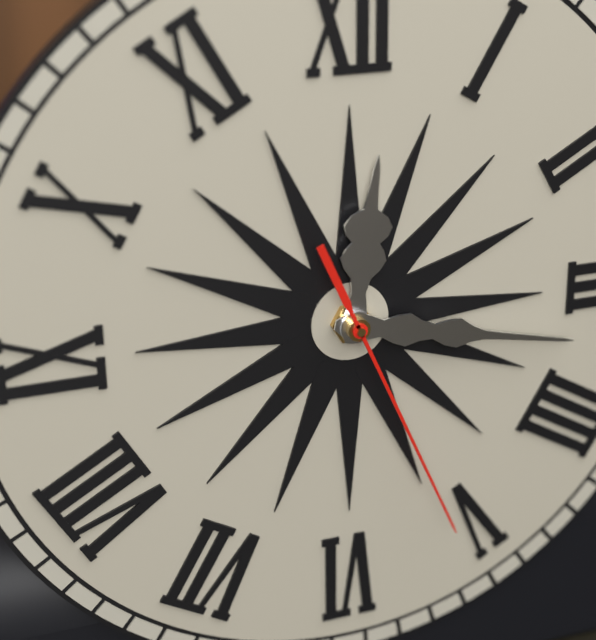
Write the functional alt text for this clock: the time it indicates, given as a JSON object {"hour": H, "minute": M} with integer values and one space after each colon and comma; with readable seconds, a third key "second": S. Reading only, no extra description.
{"hour": 12, "minute": 17, "second": 26}
